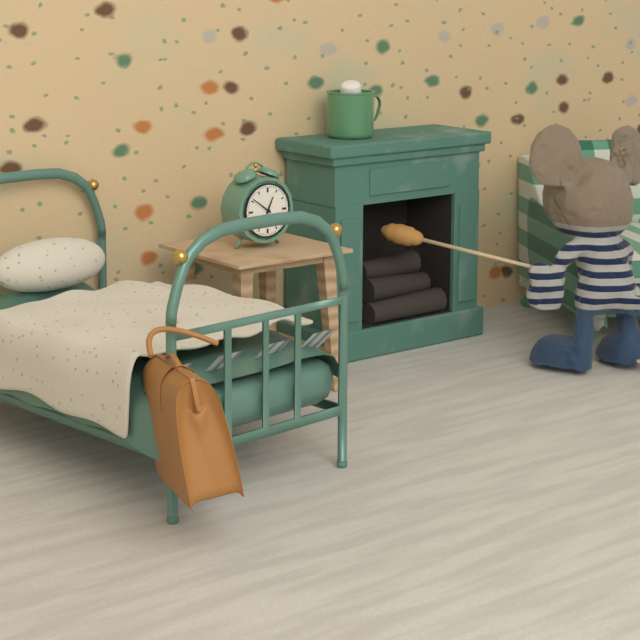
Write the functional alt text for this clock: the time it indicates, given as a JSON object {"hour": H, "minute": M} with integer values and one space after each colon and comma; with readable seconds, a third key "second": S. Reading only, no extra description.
{"hour": 12, "minute": 51}
